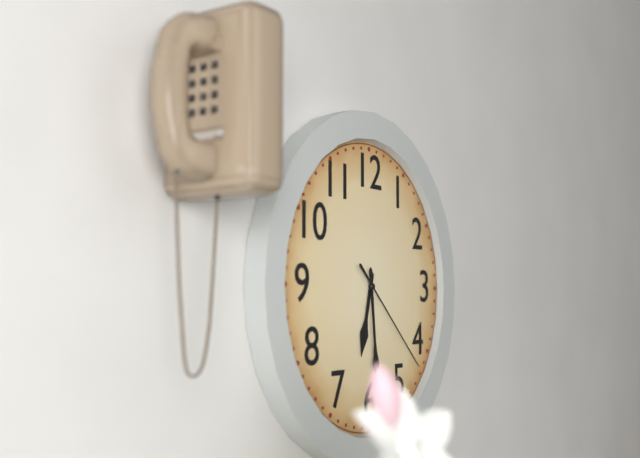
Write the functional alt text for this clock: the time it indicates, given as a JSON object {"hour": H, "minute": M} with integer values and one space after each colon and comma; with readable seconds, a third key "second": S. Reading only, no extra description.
{"hour": 6, "minute": 29, "second": 22}
